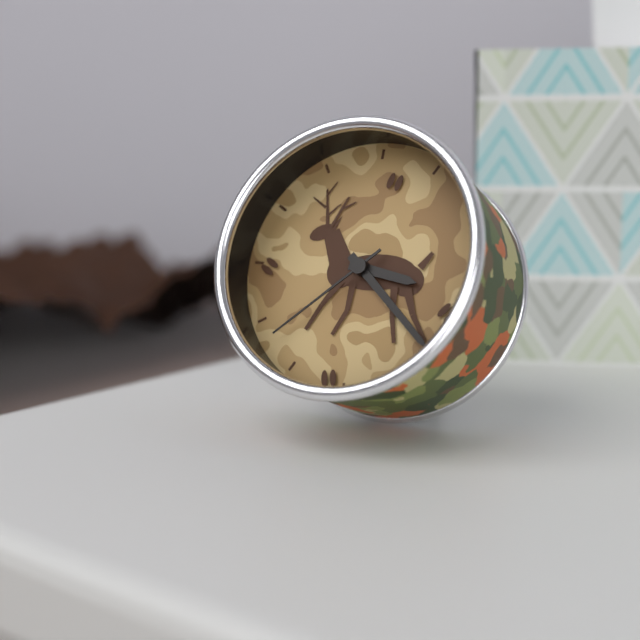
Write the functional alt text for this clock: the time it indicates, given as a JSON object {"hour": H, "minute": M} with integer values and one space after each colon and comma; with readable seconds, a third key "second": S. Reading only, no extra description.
{"hour": 3, "minute": 22, "second": 38}
